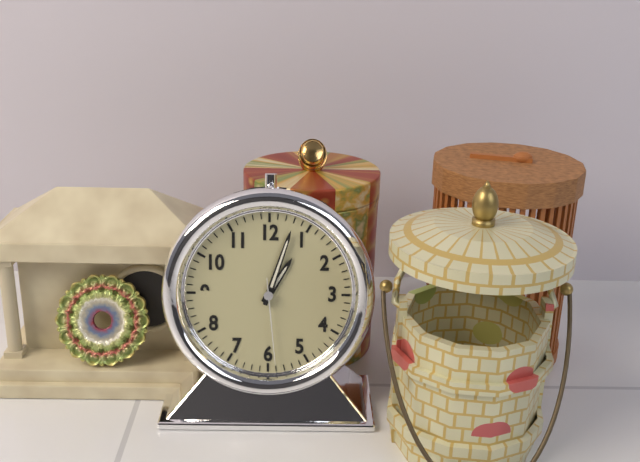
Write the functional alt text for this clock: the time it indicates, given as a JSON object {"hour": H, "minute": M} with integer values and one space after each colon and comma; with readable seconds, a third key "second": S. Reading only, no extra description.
{"hour": 1, "minute": 3, "second": 29}
